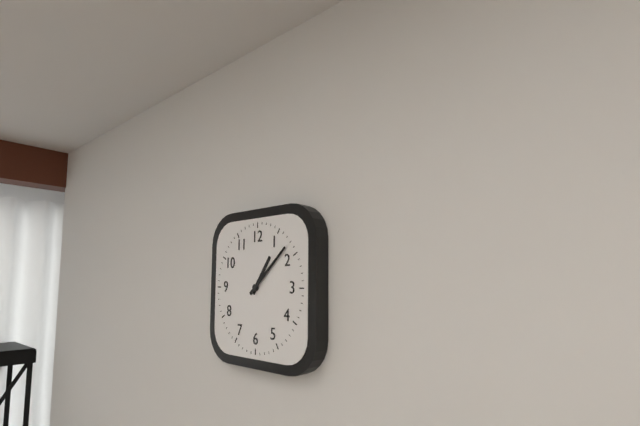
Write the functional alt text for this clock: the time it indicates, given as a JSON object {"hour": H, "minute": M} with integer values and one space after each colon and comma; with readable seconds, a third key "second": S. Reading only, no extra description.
{"hour": 1, "minute": 8}
